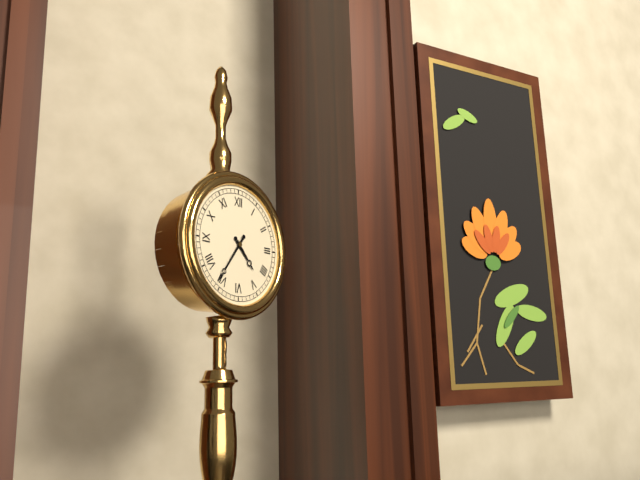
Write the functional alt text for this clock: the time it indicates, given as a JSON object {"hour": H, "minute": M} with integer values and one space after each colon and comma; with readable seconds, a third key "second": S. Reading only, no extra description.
{"hour": 4, "minute": 36}
